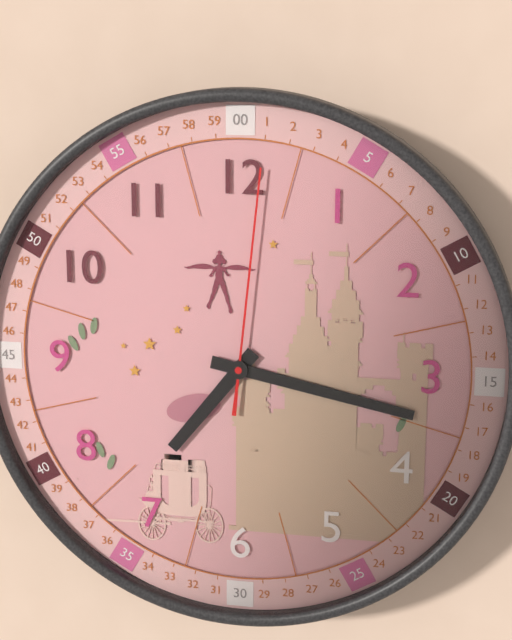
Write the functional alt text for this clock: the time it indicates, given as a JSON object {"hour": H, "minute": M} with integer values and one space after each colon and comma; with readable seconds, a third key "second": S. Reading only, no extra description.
{"hour": 7, "minute": 17, "second": 1}
